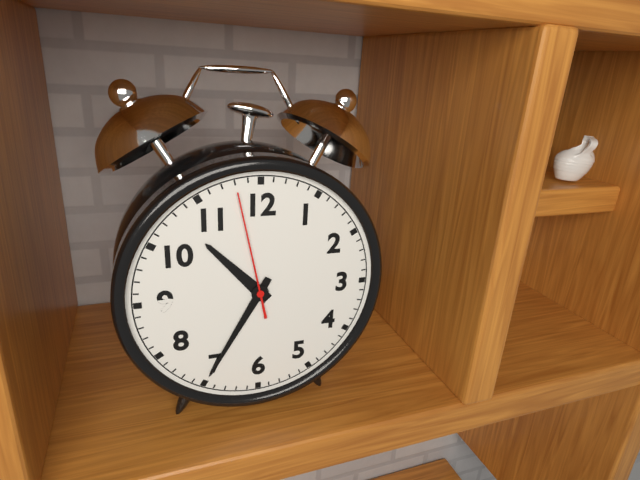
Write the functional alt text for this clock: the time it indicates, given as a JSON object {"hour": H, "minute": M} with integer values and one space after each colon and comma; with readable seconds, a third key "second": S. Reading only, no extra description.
{"hour": 10, "minute": 35, "second": 58}
